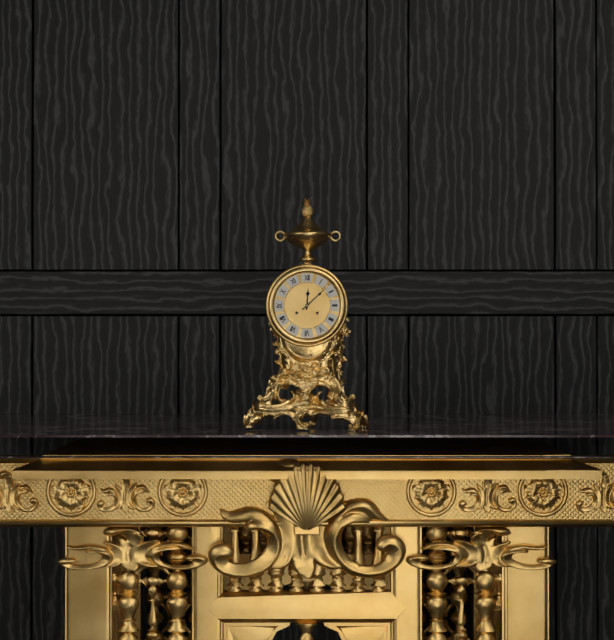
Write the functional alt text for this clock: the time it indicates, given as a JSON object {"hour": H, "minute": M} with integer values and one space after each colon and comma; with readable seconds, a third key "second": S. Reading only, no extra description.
{"hour": 12, "minute": 8}
